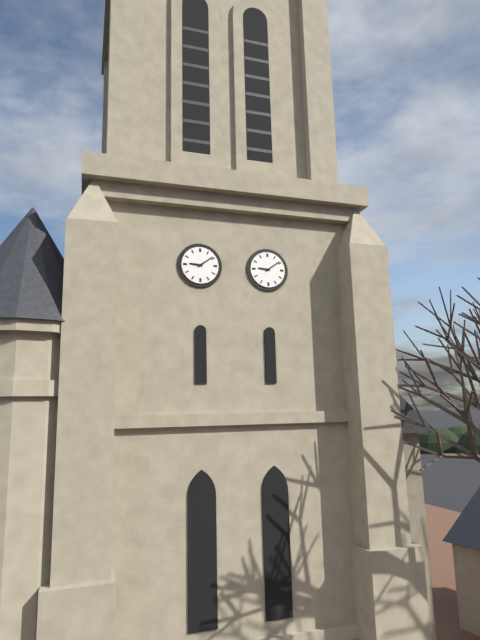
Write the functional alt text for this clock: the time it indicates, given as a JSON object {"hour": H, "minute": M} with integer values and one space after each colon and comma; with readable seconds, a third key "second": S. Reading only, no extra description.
{"hour": 9, "minute": 9}
